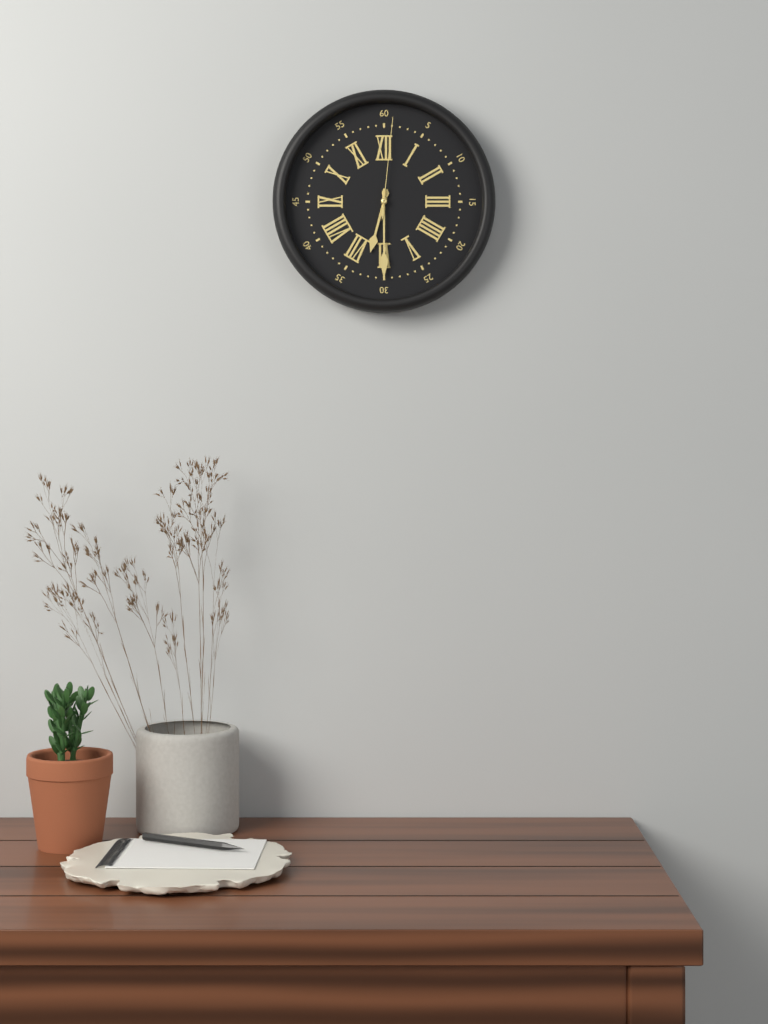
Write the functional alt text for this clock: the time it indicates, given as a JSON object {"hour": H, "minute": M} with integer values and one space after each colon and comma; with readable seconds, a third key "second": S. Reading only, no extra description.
{"hour": 6, "minute": 30, "second": 1}
